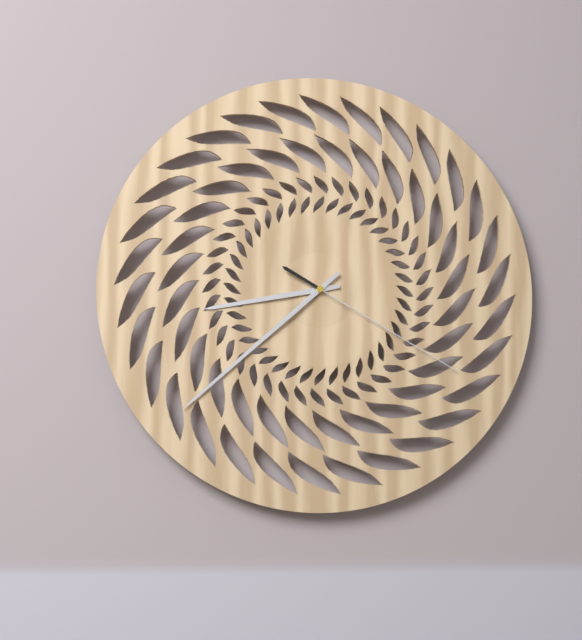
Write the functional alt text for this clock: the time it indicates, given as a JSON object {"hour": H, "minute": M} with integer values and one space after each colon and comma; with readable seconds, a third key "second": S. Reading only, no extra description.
{"hour": 8, "minute": 38, "second": 20}
